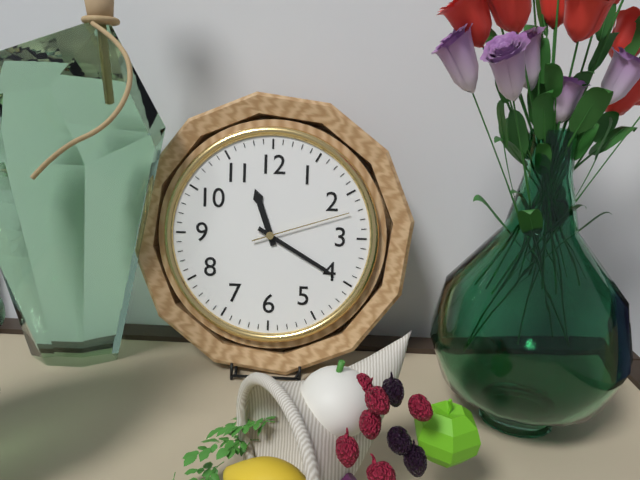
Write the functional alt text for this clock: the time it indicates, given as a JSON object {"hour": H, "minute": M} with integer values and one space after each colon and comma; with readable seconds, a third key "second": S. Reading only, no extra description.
{"hour": 11, "minute": 20, "second": 12}
